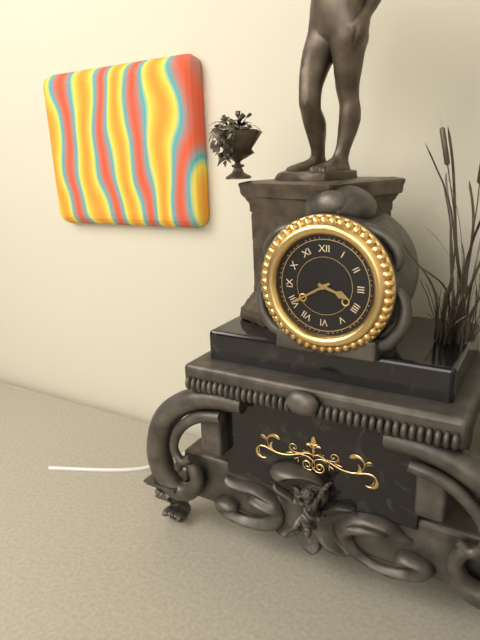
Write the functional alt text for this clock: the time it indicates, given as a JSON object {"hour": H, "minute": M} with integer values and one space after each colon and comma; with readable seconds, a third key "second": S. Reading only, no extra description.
{"hour": 3, "minute": 40}
